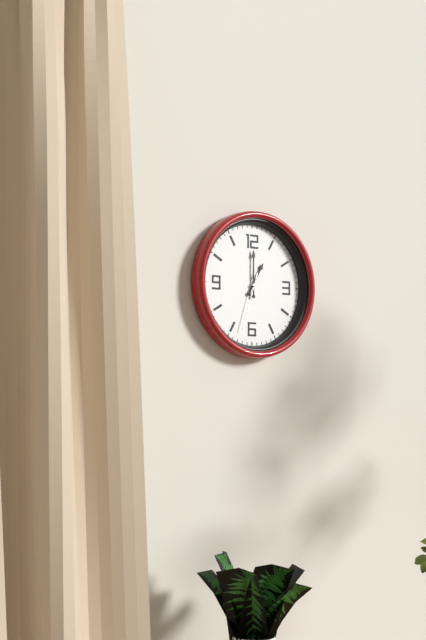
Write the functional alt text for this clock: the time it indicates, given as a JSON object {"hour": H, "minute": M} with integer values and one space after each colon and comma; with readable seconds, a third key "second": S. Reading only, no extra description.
{"hour": 1, "minute": 0, "second": 33}
